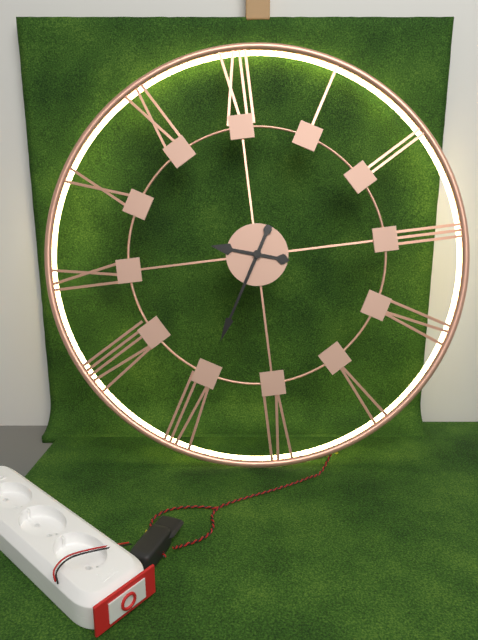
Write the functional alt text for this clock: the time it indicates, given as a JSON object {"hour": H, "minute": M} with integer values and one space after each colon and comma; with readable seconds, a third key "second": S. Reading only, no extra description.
{"hour": 9, "minute": 35}
